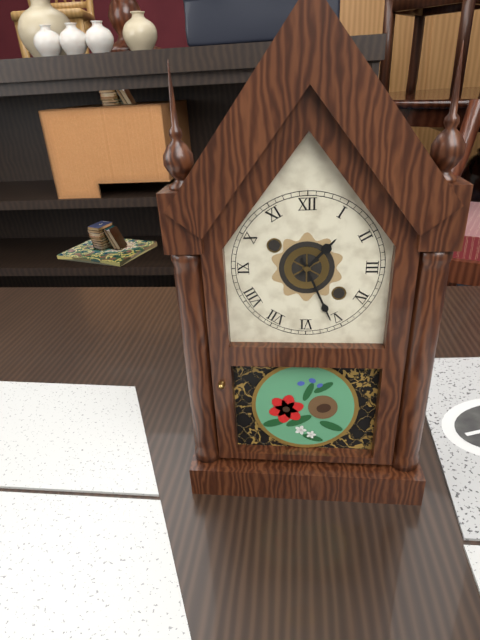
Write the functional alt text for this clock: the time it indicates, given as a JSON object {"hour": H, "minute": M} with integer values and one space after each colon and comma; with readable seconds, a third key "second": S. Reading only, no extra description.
{"hour": 1, "minute": 26}
